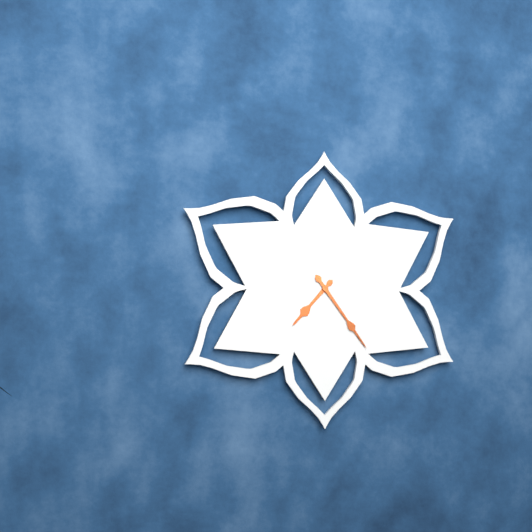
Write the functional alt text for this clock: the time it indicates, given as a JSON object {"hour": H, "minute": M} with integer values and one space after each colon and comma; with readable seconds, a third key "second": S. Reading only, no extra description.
{"hour": 7, "minute": 24}
